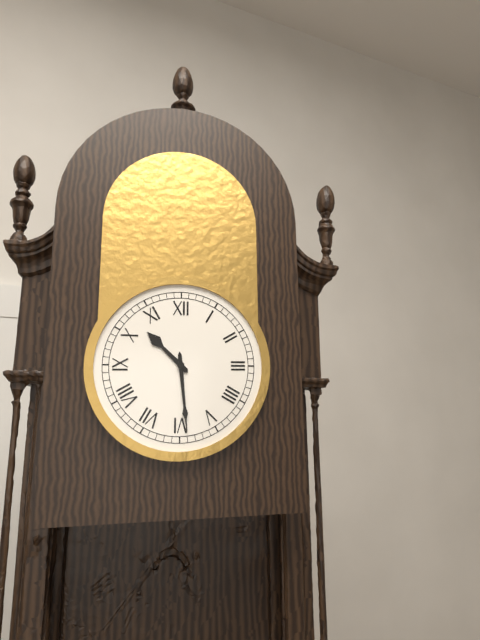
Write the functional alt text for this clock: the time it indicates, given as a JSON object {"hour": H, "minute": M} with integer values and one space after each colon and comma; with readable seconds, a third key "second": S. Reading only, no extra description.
{"hour": 10, "minute": 29}
